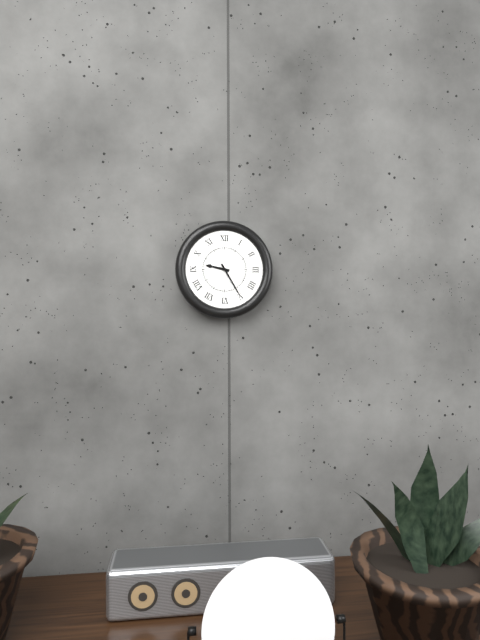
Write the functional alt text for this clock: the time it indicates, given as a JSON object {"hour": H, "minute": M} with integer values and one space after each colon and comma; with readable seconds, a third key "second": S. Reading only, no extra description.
{"hour": 9, "minute": 25}
